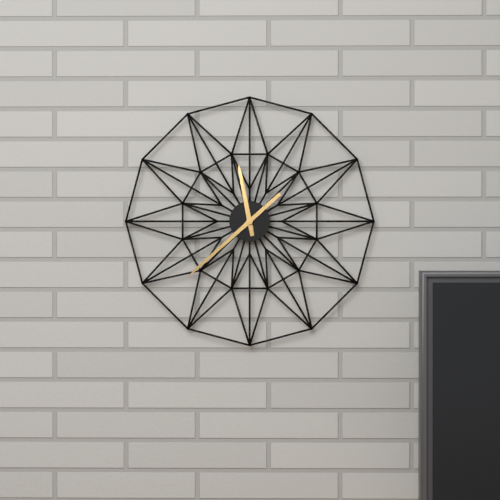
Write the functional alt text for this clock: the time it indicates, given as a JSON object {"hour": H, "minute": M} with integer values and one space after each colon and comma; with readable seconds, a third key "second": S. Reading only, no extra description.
{"hour": 11, "minute": 38}
